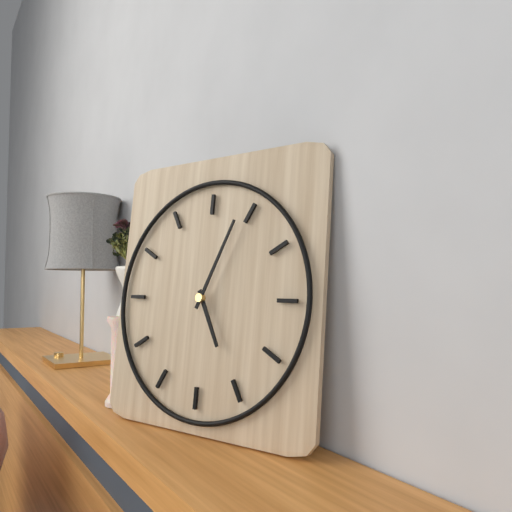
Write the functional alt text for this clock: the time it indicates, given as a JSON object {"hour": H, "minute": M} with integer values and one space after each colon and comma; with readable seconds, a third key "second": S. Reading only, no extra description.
{"hour": 5, "minute": 4}
